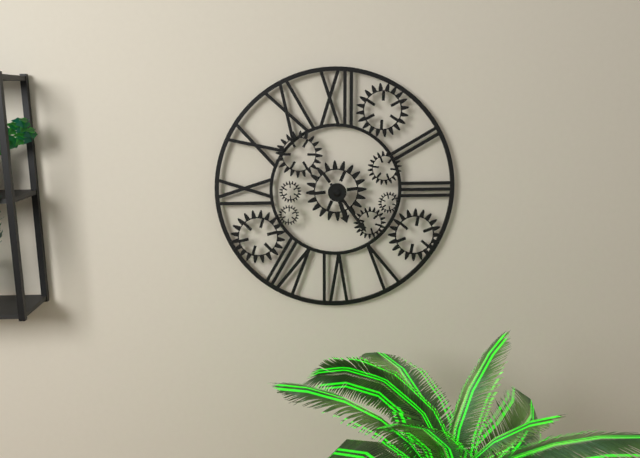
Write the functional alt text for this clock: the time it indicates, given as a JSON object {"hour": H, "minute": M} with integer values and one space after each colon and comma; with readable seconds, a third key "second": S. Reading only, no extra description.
{"hour": 5, "minute": 24}
